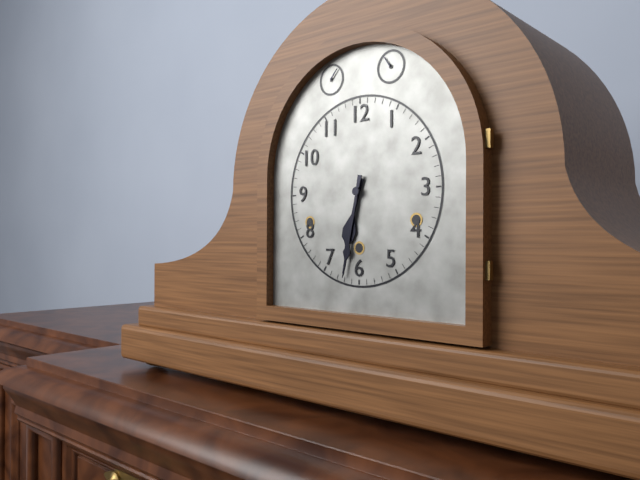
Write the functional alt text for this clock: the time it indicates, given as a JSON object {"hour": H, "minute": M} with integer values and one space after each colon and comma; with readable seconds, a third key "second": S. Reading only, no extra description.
{"hour": 6, "minute": 32}
